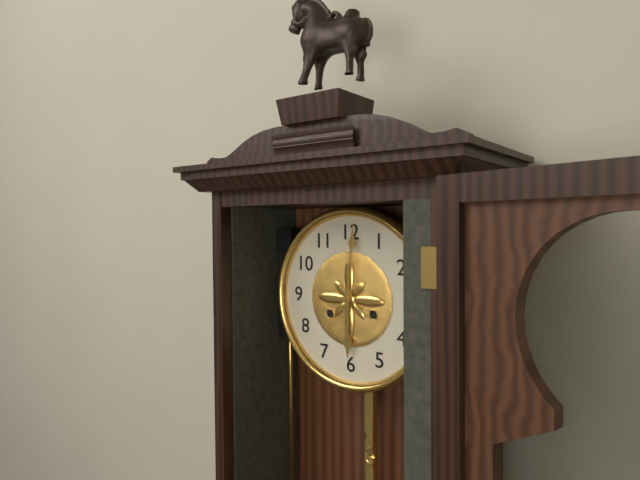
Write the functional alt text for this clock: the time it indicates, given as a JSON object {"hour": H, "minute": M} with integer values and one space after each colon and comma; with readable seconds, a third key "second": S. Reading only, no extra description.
{"hour": 6, "minute": 1}
